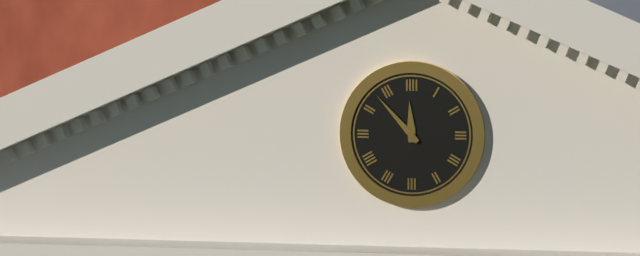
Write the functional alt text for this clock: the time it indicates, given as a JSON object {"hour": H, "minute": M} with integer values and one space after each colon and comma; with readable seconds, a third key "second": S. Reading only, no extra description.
{"hour": 11, "minute": 53}
